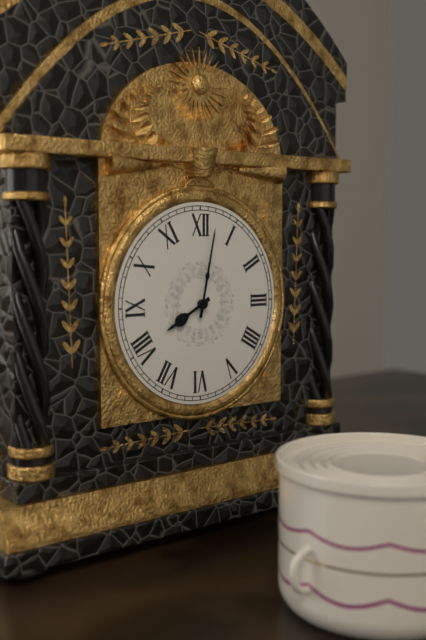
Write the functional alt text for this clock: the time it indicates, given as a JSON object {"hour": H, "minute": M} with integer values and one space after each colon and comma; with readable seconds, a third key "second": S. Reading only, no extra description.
{"hour": 8, "minute": 2}
